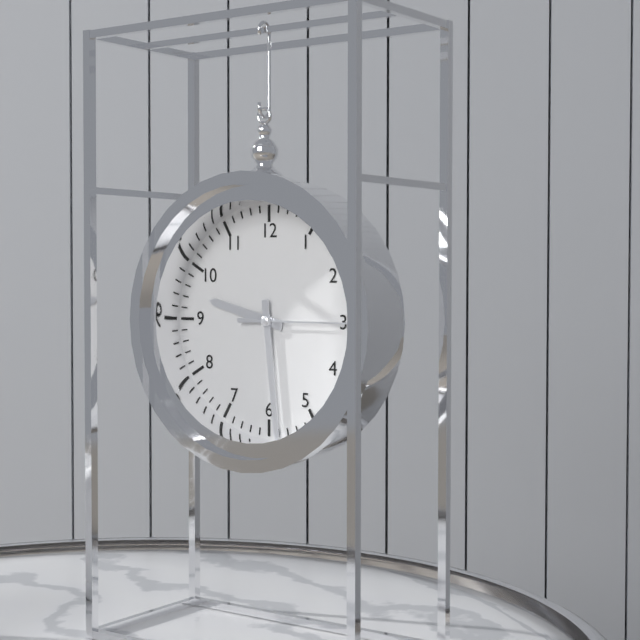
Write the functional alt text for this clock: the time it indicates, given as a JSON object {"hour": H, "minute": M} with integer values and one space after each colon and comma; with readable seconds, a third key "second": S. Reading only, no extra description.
{"hour": 9, "minute": 29, "second": 15}
